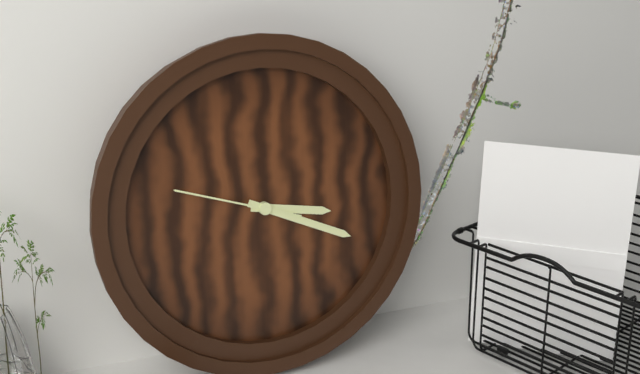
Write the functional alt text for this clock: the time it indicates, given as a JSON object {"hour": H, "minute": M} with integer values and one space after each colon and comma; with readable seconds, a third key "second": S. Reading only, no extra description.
{"hour": 3, "minute": 19, "second": 48}
